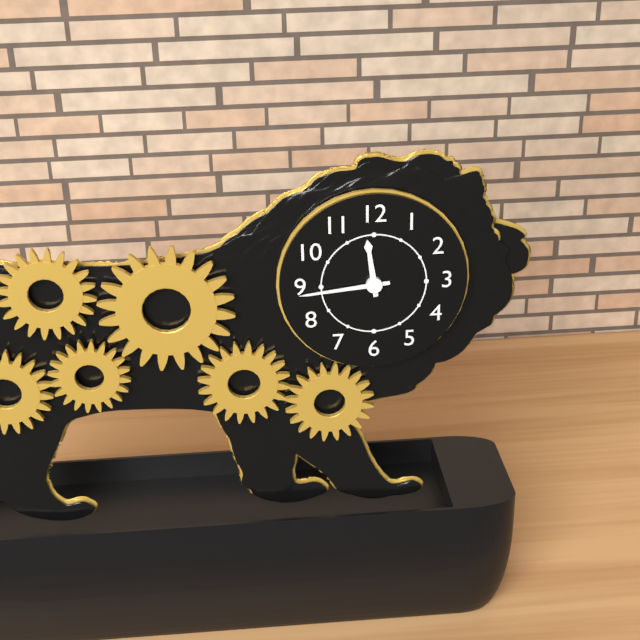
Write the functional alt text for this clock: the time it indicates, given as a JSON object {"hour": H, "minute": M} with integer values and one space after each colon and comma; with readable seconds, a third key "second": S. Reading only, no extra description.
{"hour": 11, "minute": 44}
